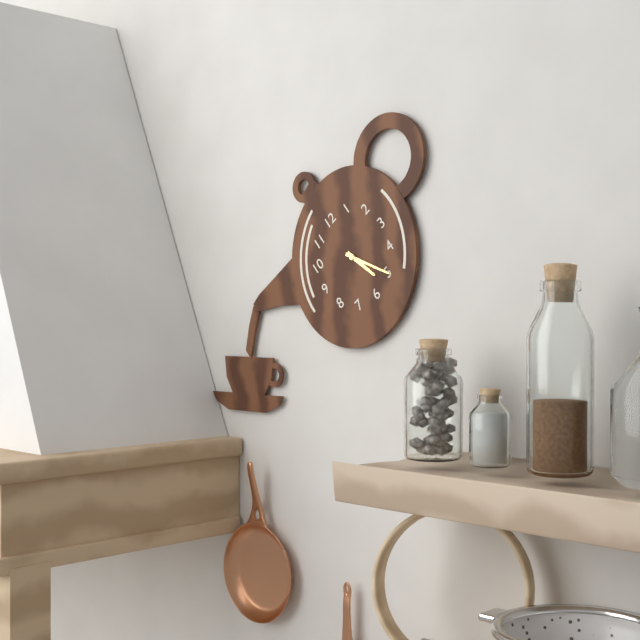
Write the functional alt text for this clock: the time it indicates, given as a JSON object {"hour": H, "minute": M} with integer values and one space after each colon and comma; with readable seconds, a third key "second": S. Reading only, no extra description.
{"hour": 5, "minute": 25}
